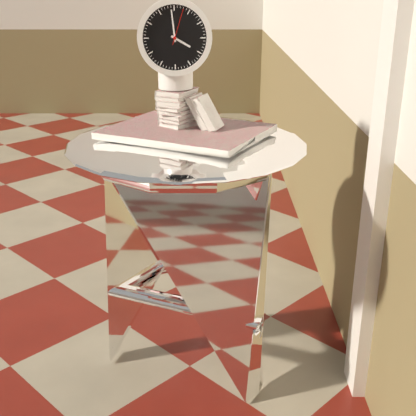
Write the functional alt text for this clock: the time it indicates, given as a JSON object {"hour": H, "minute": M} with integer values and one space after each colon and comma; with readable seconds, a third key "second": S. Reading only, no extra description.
{"hour": 3, "minute": 59}
